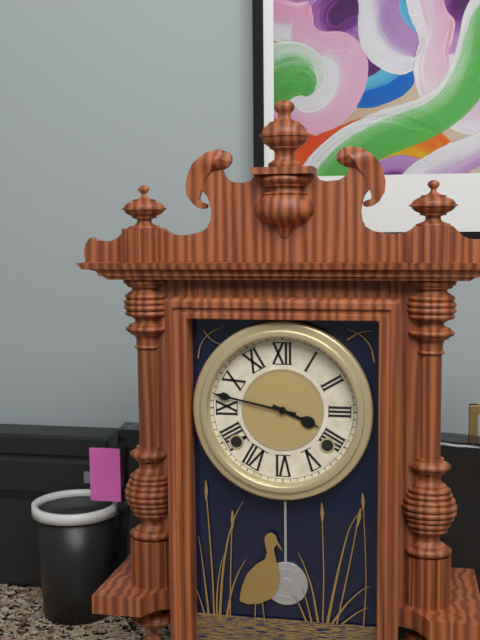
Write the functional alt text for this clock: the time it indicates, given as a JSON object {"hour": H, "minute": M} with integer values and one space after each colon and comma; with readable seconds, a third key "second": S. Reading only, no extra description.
{"hour": 3, "minute": 47}
